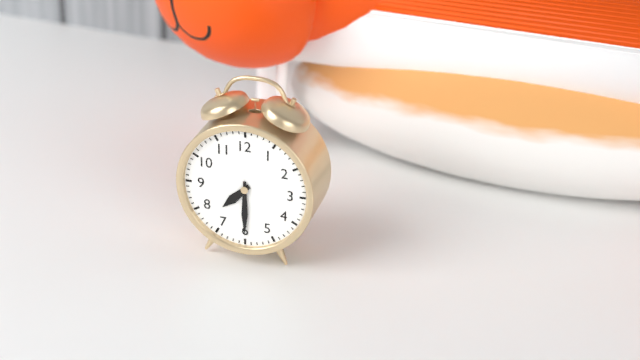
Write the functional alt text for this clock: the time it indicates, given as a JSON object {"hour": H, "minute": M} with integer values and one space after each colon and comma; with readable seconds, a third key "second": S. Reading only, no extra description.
{"hour": 7, "minute": 30}
